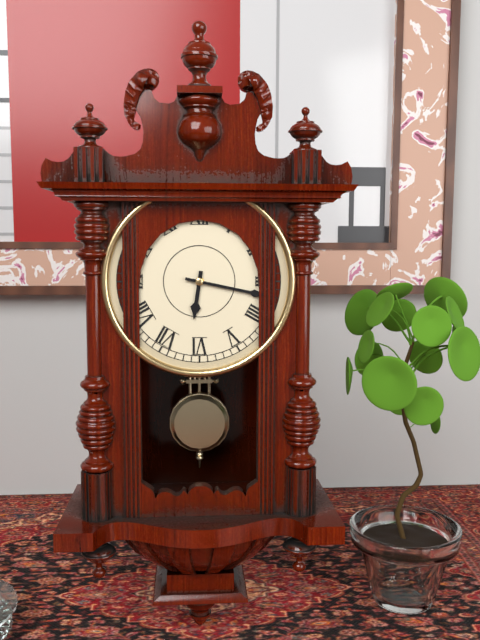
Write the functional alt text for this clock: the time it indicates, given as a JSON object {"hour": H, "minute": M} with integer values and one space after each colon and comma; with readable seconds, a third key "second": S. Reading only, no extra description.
{"hour": 6, "minute": 17}
